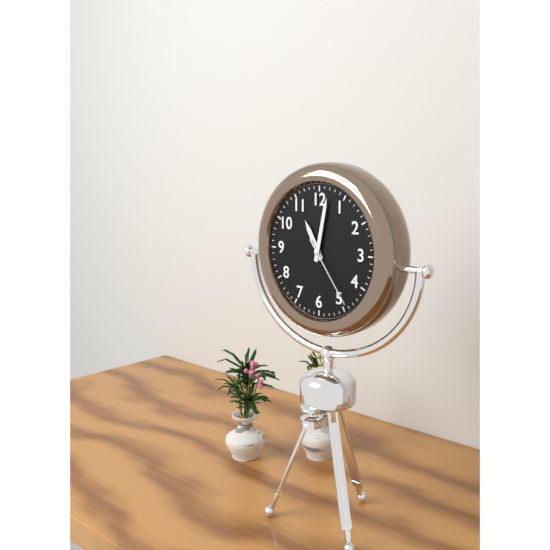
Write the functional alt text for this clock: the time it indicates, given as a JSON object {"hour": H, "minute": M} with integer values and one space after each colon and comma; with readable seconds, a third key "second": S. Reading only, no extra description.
{"hour": 11, "minute": 2, "second": 24}
